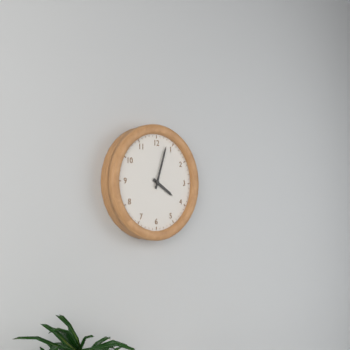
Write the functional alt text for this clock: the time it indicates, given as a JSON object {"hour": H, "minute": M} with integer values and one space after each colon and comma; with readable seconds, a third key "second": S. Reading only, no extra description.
{"hour": 4, "minute": 3}
